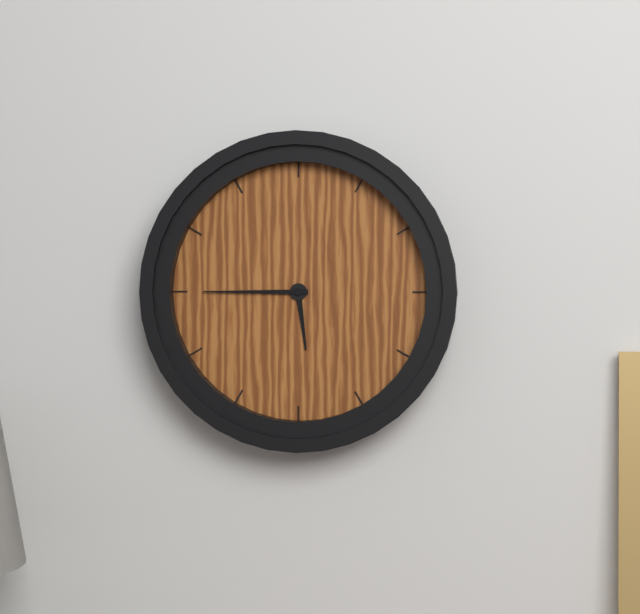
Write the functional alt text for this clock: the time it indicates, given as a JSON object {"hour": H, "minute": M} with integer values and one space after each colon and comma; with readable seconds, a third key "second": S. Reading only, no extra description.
{"hour": 5, "minute": 45}
